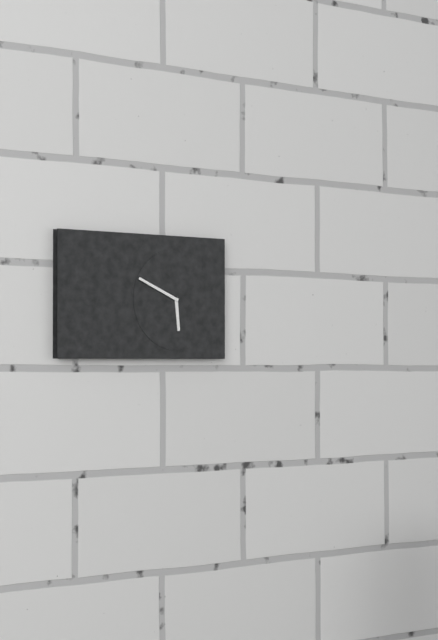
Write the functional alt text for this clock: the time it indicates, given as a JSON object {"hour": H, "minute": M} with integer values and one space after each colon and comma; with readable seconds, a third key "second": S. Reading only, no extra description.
{"hour": 5, "minute": 49}
